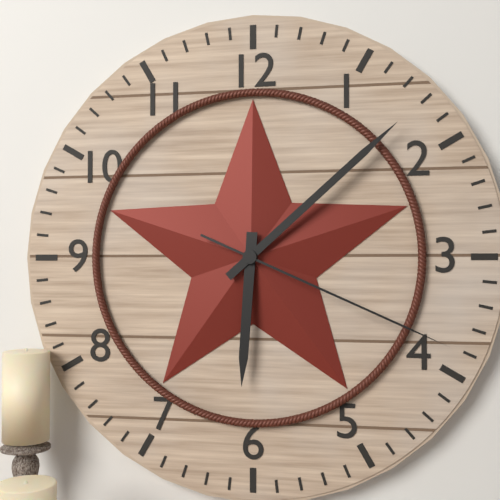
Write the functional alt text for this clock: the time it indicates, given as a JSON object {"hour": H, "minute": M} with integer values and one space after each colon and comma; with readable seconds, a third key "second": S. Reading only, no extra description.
{"hour": 6, "minute": 8, "second": 19}
